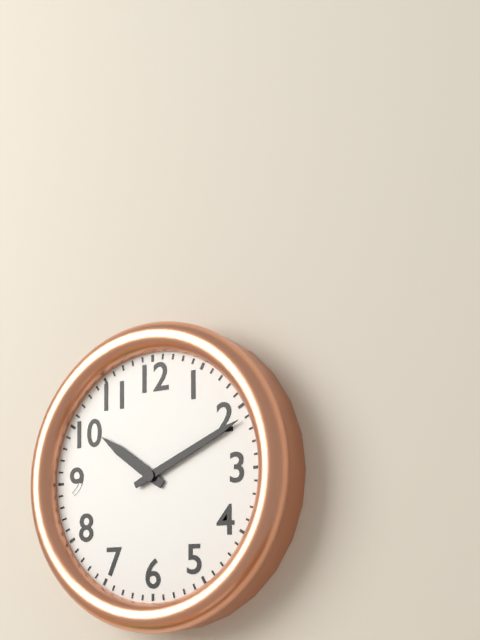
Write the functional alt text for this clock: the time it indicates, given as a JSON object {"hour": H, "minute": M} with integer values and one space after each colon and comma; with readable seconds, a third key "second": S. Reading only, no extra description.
{"hour": 10, "minute": 11}
